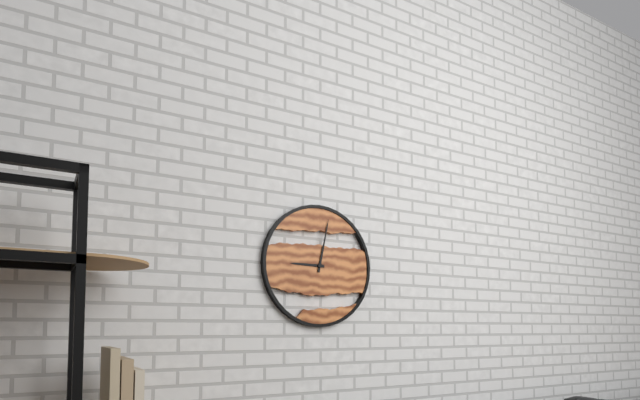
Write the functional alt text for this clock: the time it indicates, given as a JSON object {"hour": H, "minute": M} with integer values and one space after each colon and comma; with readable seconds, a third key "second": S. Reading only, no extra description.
{"hour": 9, "minute": 2}
